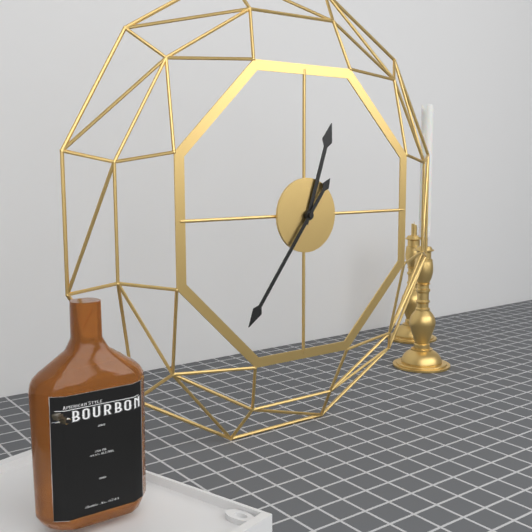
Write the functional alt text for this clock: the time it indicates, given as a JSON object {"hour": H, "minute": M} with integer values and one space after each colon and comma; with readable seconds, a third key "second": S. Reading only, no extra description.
{"hour": 12, "minute": 36}
